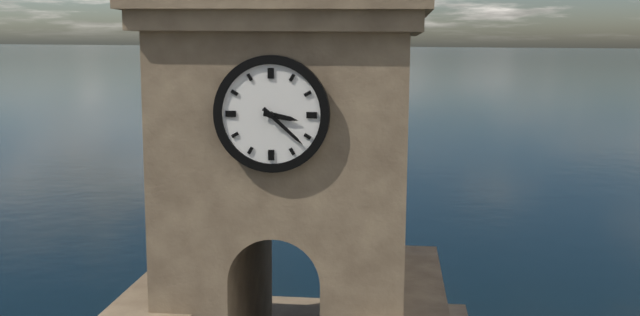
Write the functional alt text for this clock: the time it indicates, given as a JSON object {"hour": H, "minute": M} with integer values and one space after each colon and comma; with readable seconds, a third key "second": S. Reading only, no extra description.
{"hour": 3, "minute": 22}
